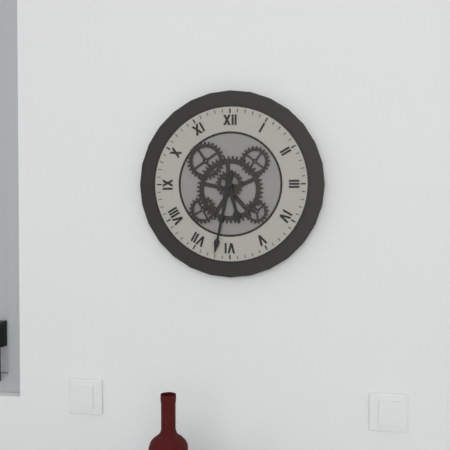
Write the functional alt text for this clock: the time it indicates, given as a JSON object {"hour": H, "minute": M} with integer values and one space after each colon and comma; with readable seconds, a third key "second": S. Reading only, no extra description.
{"hour": 5, "minute": 32}
